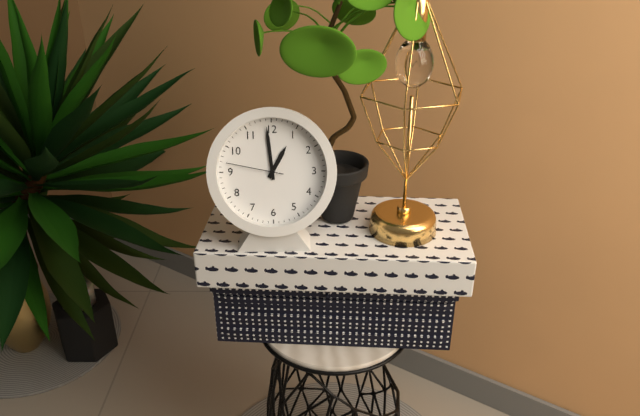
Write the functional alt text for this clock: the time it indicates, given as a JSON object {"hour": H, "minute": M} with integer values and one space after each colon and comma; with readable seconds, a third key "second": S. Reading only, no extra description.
{"hour": 12, "minute": 59, "second": 47}
